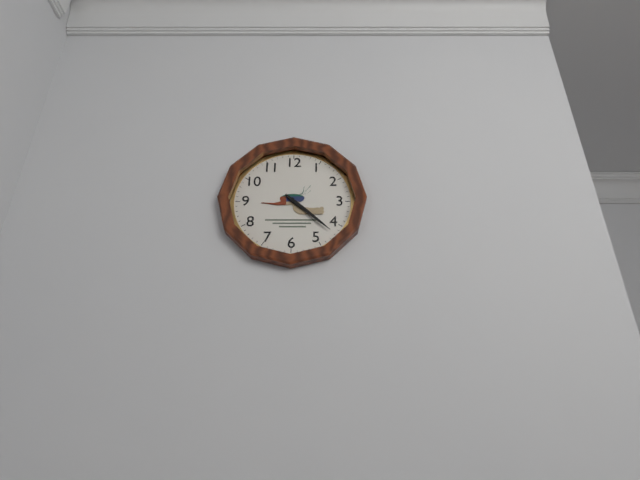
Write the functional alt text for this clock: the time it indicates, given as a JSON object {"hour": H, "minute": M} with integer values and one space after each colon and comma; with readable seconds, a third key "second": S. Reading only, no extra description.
{"hour": 4, "minute": 22}
